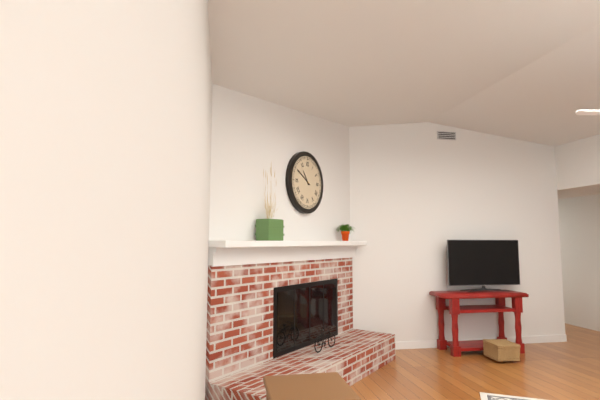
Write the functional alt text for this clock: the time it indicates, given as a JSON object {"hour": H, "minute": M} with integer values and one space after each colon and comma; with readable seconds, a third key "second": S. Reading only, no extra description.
{"hour": 10, "minute": 50}
